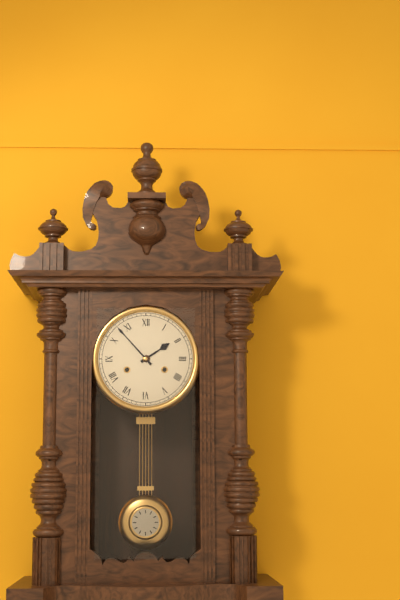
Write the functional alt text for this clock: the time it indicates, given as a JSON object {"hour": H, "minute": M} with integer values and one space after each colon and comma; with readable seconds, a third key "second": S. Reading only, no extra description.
{"hour": 1, "minute": 53}
